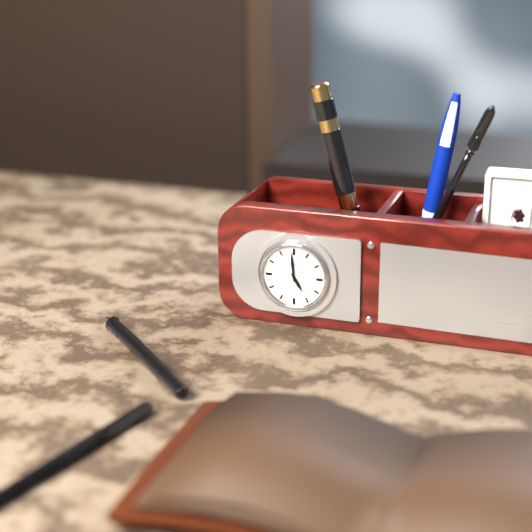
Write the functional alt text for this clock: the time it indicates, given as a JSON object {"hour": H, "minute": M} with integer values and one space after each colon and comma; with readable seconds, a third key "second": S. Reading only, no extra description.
{"hour": 4, "minute": 59}
